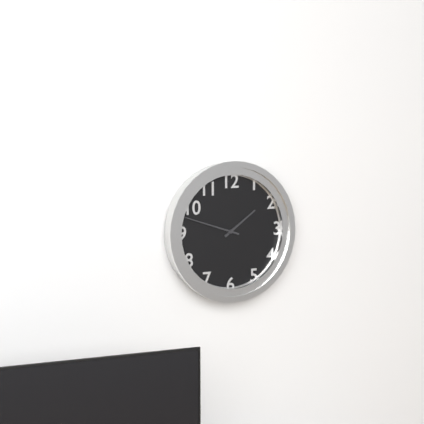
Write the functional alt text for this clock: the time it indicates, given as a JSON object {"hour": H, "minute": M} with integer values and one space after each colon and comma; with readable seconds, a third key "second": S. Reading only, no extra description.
{"hour": 1, "minute": 48}
